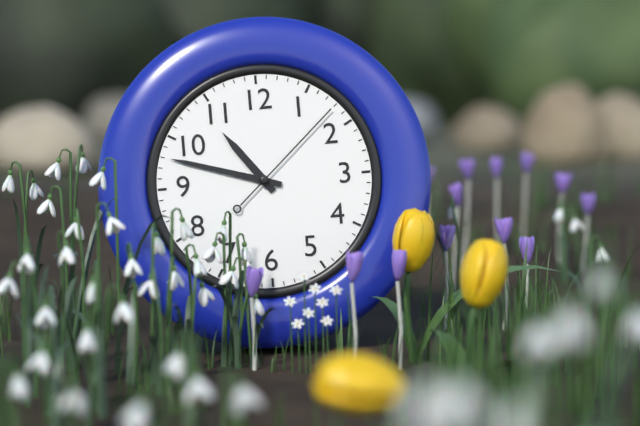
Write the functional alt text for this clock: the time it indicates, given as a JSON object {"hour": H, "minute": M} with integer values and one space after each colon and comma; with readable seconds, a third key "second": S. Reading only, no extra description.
{"hour": 10, "minute": 48, "second": 8}
